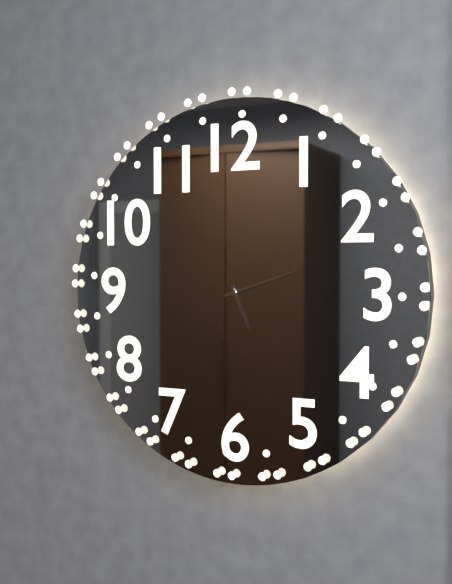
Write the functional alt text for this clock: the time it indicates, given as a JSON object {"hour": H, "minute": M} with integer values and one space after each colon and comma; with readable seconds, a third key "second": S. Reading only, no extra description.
{"hour": 5, "minute": 12}
